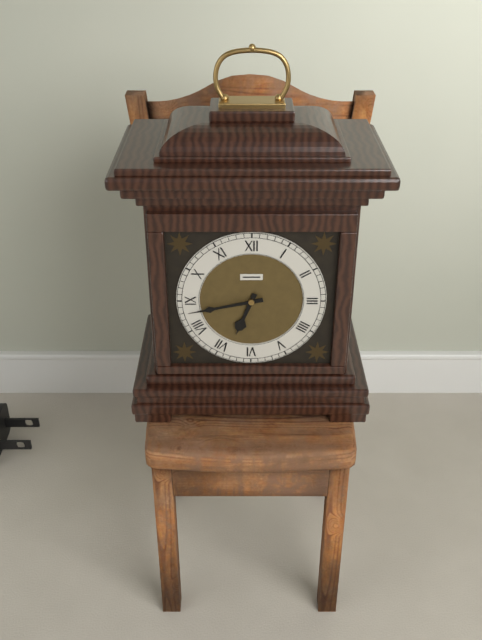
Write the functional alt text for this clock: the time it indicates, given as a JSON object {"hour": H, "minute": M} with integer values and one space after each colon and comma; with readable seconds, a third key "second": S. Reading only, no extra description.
{"hour": 6, "minute": 43}
